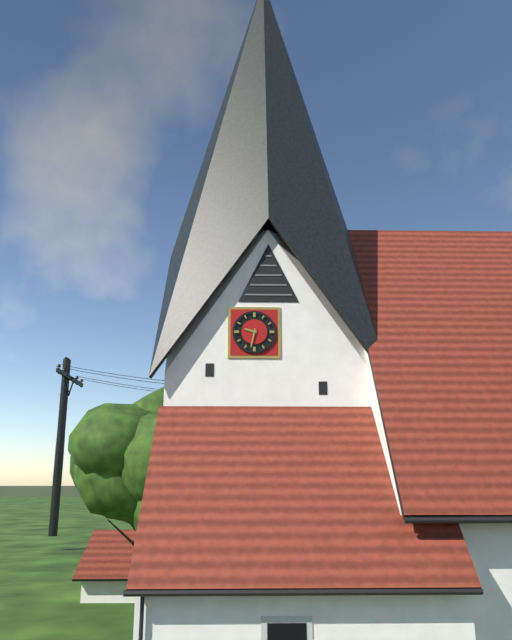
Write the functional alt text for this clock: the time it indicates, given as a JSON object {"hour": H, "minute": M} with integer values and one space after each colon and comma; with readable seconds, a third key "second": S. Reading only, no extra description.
{"hour": 9, "minute": 32}
